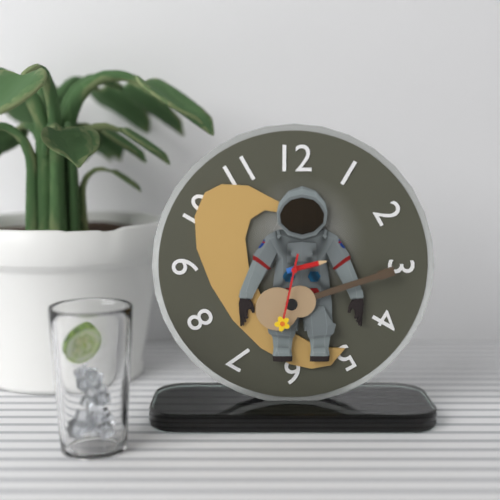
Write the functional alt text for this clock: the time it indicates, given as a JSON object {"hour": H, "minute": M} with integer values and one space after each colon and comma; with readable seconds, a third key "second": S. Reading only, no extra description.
{"hour": 2, "minute": 32}
